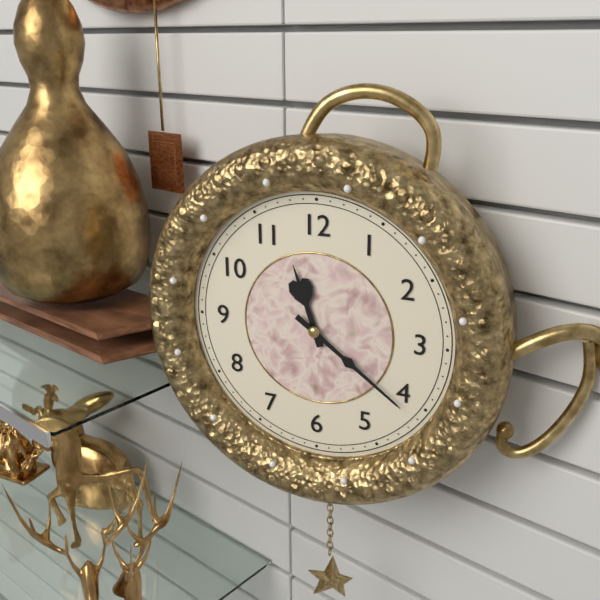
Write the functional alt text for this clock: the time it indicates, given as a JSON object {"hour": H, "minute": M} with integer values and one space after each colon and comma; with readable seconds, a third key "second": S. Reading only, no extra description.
{"hour": 11, "minute": 21}
